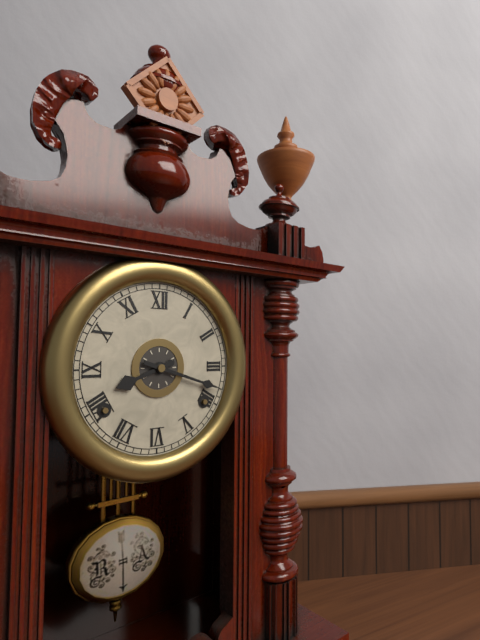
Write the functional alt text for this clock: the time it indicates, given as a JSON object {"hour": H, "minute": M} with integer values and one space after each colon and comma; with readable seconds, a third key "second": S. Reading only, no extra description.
{"hour": 8, "minute": 18}
